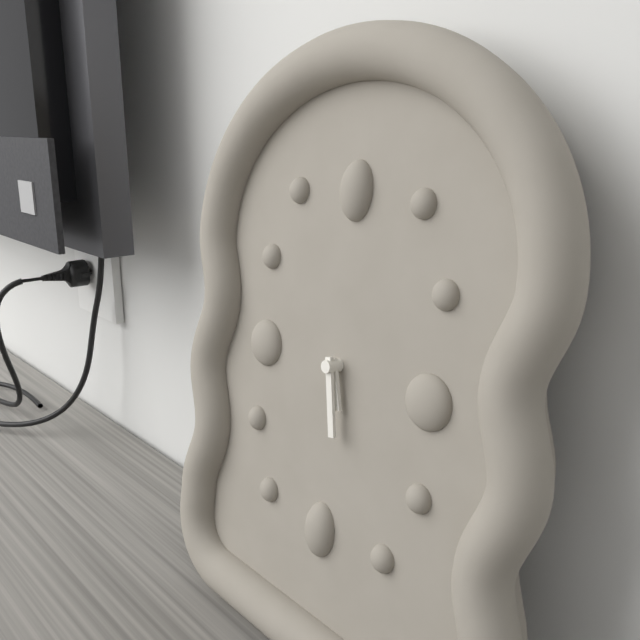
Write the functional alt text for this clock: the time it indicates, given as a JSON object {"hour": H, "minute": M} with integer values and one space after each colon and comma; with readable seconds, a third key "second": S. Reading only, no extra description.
{"hour": 5, "minute": 28}
